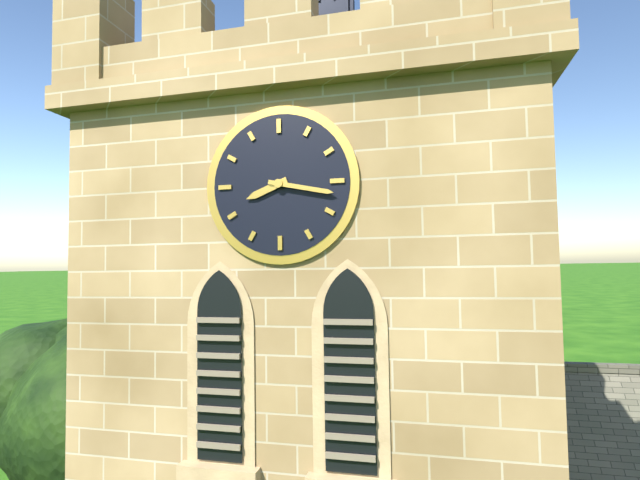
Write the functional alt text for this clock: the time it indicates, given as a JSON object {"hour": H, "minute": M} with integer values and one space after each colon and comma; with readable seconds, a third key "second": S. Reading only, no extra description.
{"hour": 8, "minute": 17}
